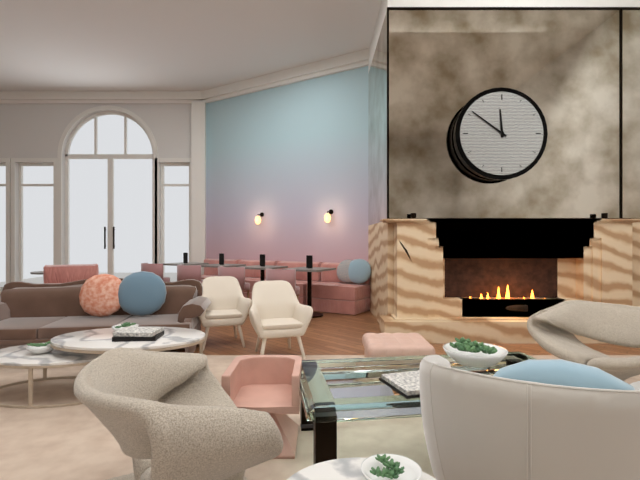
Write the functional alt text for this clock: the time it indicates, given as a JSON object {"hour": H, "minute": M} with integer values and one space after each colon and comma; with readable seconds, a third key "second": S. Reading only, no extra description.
{"hour": 11, "minute": 51}
